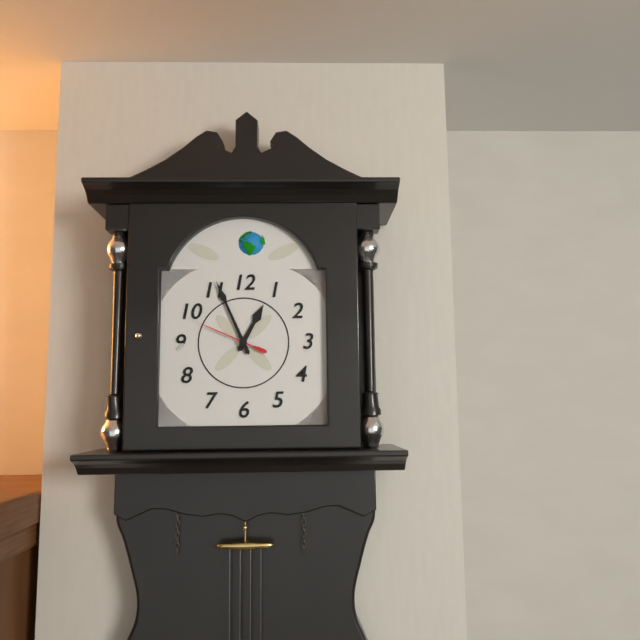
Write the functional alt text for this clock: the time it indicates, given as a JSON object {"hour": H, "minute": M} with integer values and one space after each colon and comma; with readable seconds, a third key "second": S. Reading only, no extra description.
{"hour": 12, "minute": 56, "second": 49}
